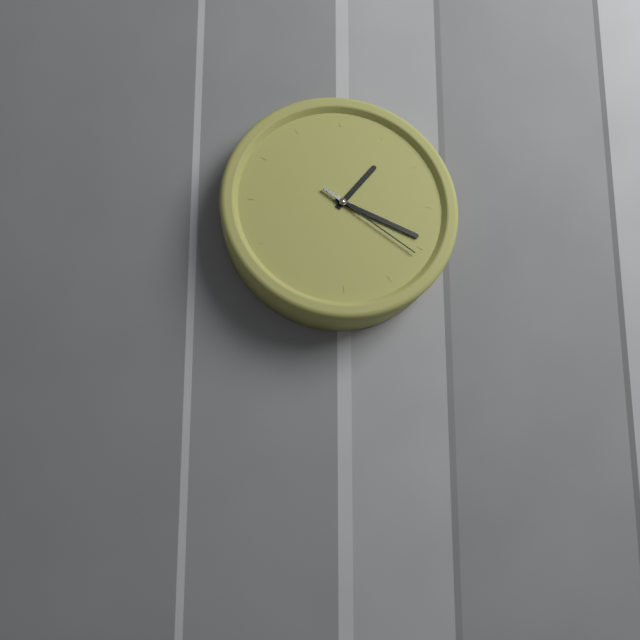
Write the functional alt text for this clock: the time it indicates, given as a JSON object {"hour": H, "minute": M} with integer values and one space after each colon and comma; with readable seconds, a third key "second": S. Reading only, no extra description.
{"hour": 1, "minute": 19, "second": 21}
